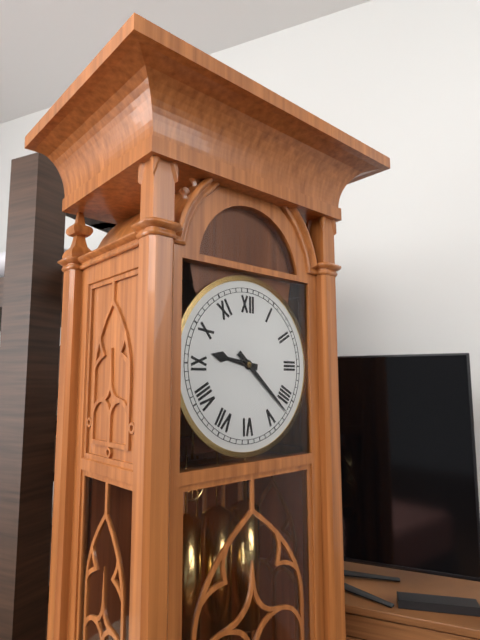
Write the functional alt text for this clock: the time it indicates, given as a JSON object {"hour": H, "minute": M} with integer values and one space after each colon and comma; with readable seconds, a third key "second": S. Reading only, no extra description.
{"hour": 9, "minute": 22}
